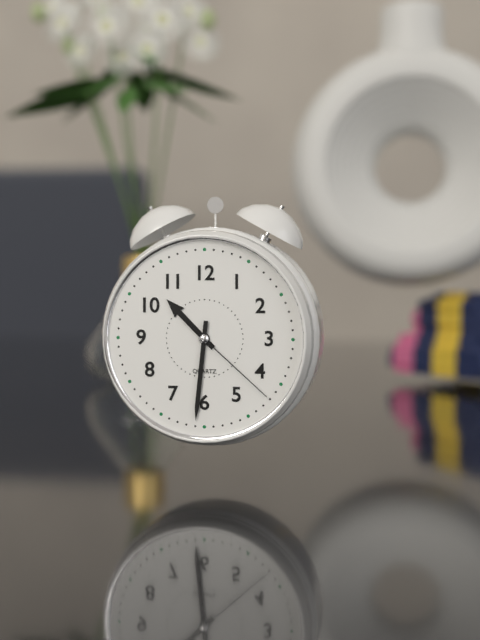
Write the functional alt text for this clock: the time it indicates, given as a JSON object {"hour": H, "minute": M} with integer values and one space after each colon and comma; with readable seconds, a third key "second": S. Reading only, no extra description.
{"hour": 10, "minute": 31, "second": 22}
